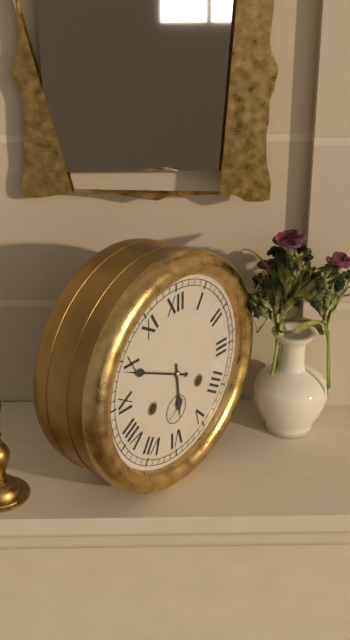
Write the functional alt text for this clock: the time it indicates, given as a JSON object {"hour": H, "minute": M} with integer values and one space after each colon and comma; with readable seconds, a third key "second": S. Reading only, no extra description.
{"hour": 5, "minute": 49}
